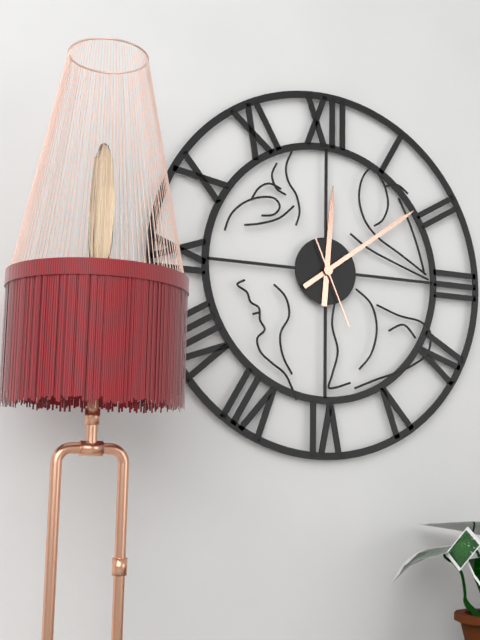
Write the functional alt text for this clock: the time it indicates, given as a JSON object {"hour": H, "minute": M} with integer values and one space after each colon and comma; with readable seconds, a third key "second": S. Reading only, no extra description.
{"hour": 12, "minute": 9, "second": 26}
